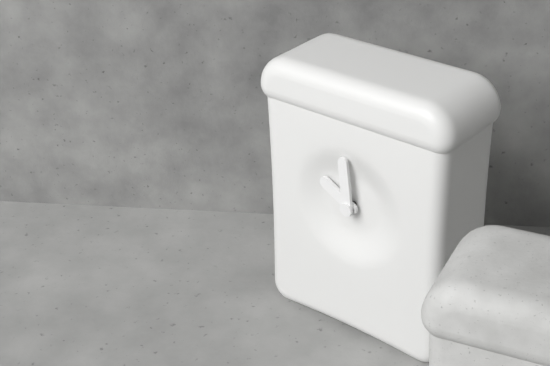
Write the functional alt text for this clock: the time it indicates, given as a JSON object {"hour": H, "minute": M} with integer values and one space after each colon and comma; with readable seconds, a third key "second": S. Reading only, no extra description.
{"hour": 9, "minute": 59}
